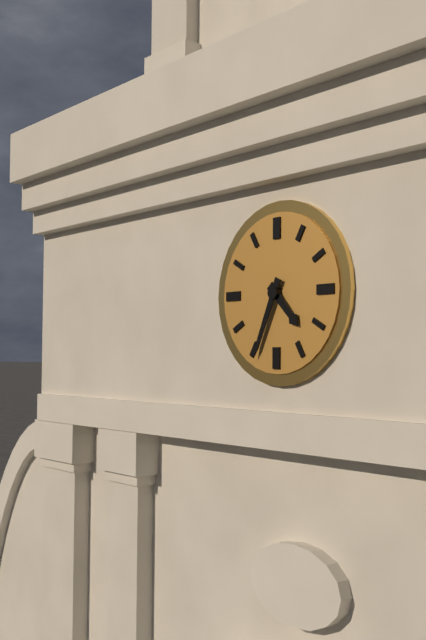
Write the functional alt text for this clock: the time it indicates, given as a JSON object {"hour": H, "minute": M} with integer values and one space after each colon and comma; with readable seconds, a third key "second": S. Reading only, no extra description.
{"hour": 4, "minute": 34}
